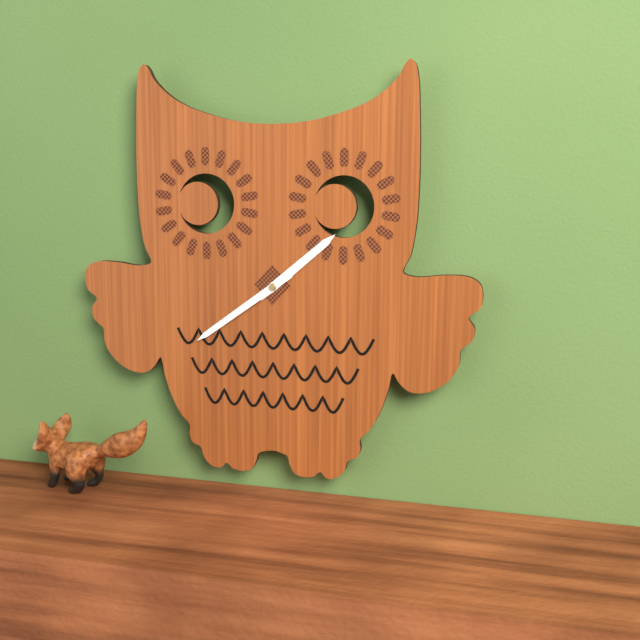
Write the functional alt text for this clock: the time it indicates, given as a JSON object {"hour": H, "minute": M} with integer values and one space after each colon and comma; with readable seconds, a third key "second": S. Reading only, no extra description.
{"hour": 1, "minute": 39}
